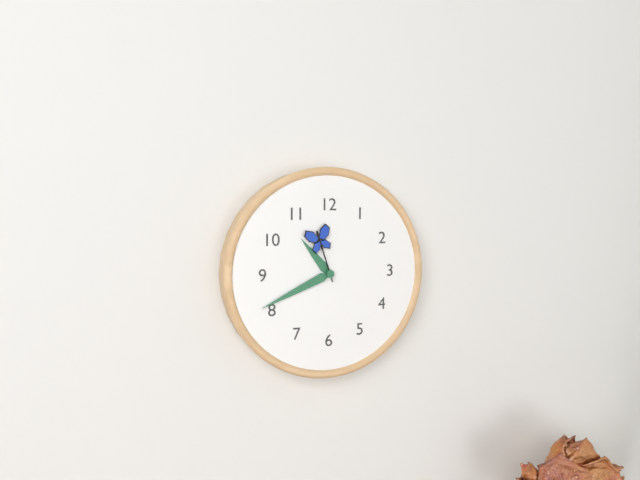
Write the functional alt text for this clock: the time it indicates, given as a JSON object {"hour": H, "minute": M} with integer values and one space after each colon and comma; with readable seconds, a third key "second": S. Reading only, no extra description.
{"hour": 10, "minute": 41, "second": 57}
